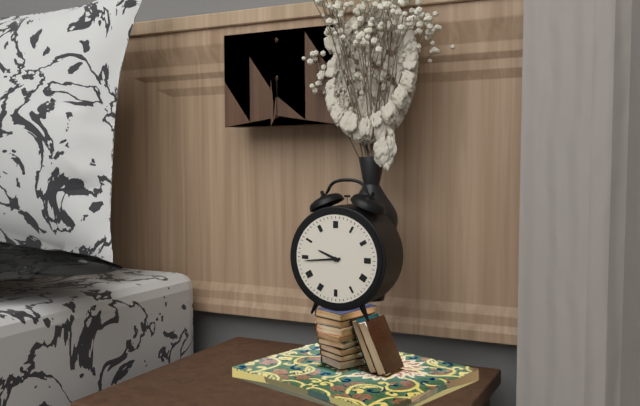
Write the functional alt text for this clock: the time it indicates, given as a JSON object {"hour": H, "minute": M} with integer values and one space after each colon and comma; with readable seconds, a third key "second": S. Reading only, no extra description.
{"hour": 9, "minute": 44}
